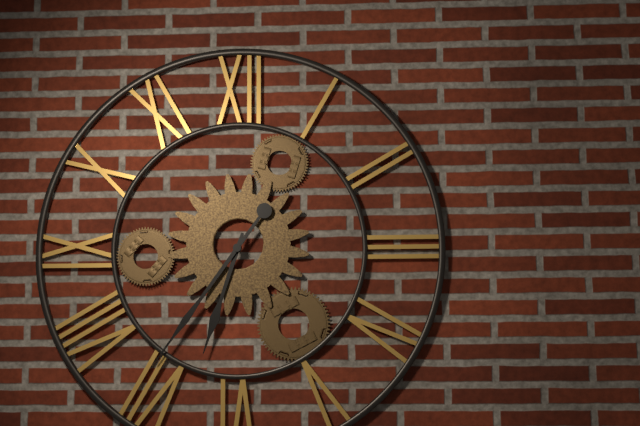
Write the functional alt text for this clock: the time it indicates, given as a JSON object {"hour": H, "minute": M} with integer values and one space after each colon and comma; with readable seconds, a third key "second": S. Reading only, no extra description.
{"hour": 6, "minute": 36}
